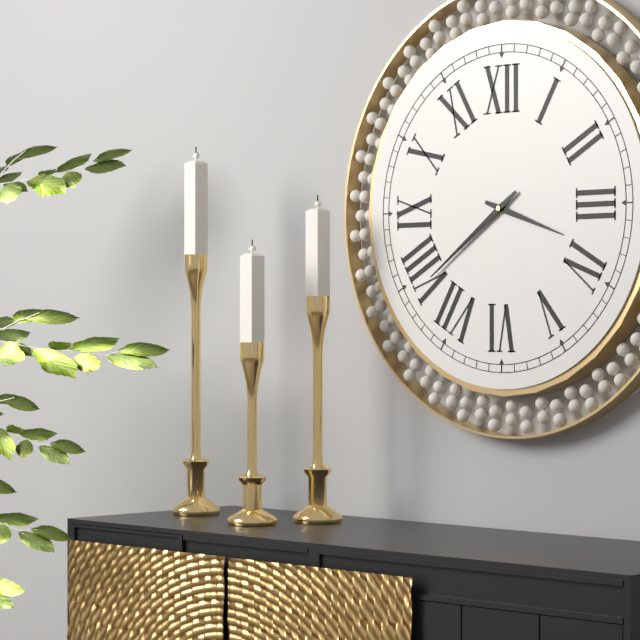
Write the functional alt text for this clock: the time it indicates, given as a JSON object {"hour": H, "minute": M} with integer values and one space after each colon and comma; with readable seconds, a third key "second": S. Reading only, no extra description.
{"hour": 3, "minute": 39}
